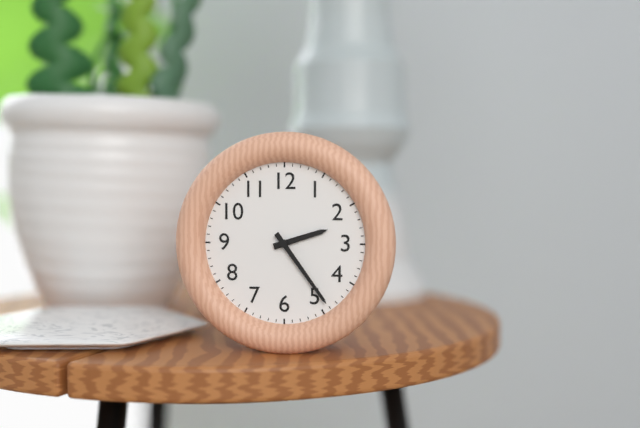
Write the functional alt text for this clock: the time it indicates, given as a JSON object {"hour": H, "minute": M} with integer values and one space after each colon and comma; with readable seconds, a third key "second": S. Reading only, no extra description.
{"hour": 2, "minute": 24}
